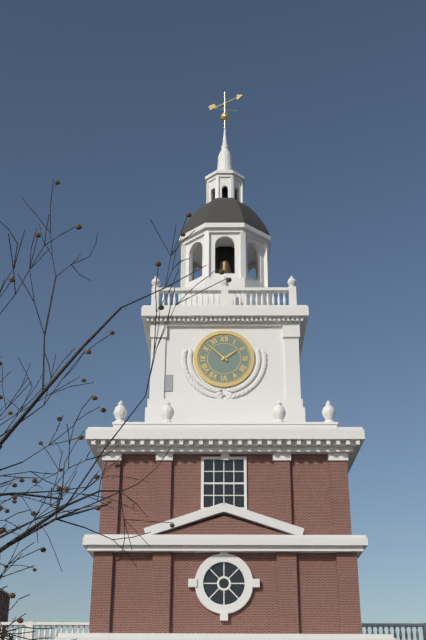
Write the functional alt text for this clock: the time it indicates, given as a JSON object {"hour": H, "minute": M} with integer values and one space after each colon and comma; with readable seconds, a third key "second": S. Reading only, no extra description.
{"hour": 1, "minute": 52}
